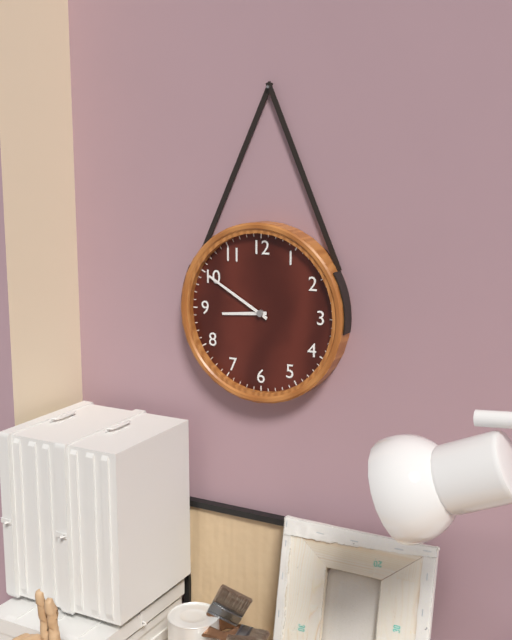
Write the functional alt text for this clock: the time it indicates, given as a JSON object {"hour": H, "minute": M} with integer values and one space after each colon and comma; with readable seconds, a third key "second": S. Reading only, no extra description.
{"hour": 8, "minute": 50}
